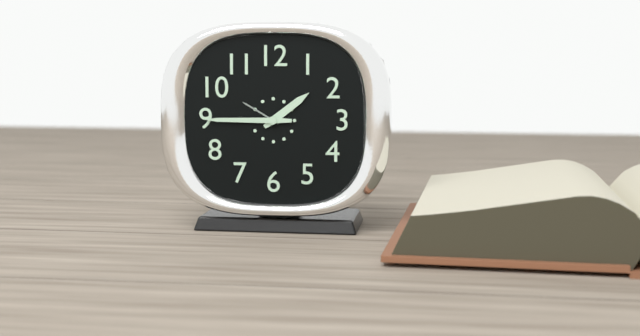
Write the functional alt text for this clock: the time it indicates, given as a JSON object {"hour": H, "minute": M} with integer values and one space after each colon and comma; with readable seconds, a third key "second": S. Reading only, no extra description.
{"hour": 1, "minute": 45}
